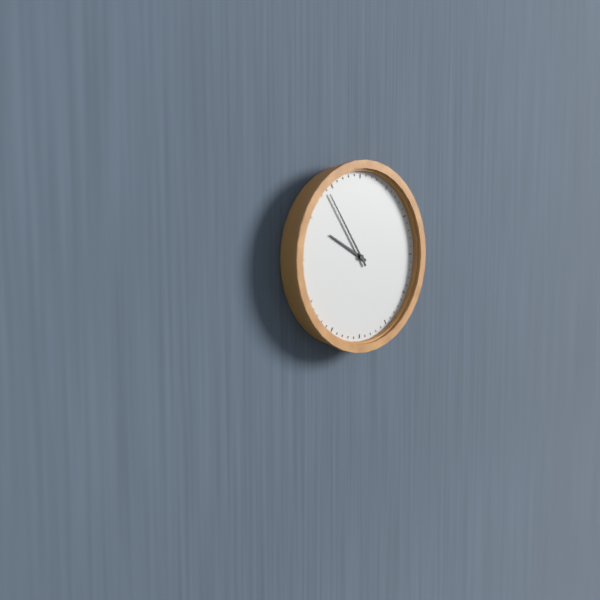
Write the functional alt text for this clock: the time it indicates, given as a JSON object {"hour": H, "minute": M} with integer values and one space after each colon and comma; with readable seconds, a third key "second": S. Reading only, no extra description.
{"hour": 9, "minute": 54}
